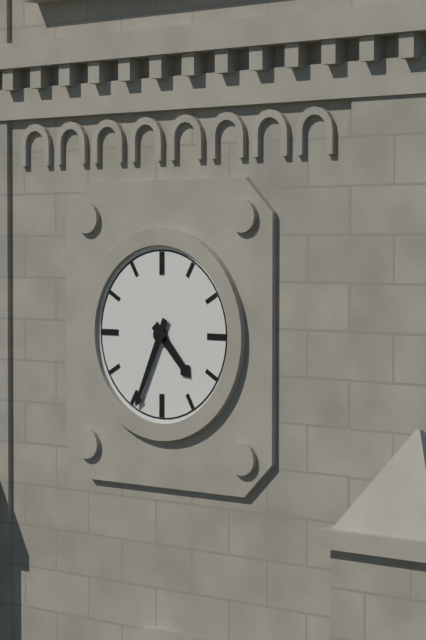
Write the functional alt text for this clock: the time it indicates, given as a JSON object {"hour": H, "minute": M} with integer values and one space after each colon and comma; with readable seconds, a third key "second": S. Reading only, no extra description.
{"hour": 4, "minute": 34}
